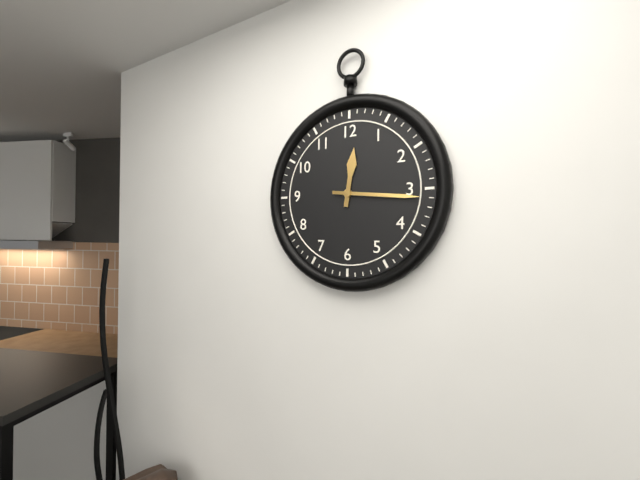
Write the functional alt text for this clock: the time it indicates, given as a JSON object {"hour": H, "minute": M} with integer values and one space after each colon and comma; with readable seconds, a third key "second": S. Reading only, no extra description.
{"hour": 12, "minute": 16}
